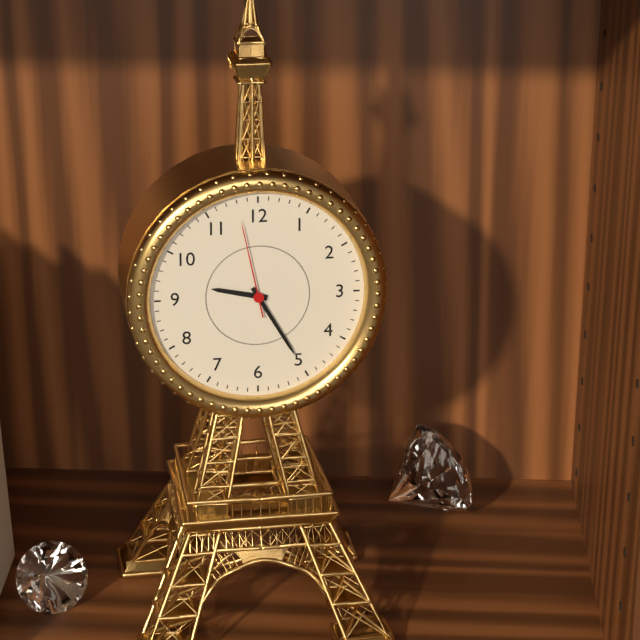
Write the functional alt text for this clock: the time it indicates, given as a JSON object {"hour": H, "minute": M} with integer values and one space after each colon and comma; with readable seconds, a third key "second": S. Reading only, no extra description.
{"hour": 9, "minute": 25, "second": 58}
